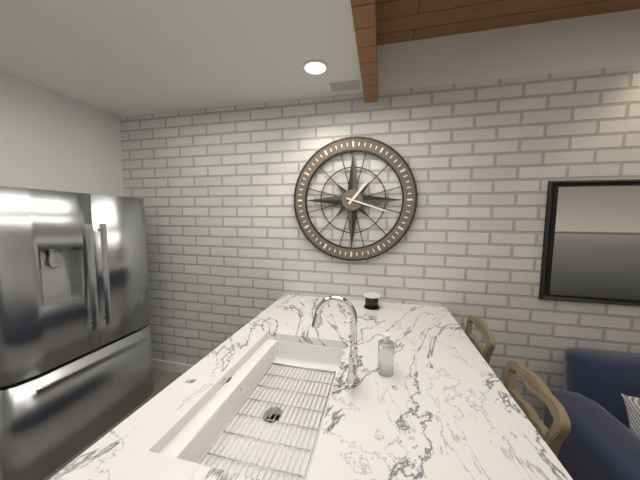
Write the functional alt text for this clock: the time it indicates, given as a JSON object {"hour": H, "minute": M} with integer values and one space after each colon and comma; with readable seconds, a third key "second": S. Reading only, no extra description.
{"hour": 1, "minute": 18}
